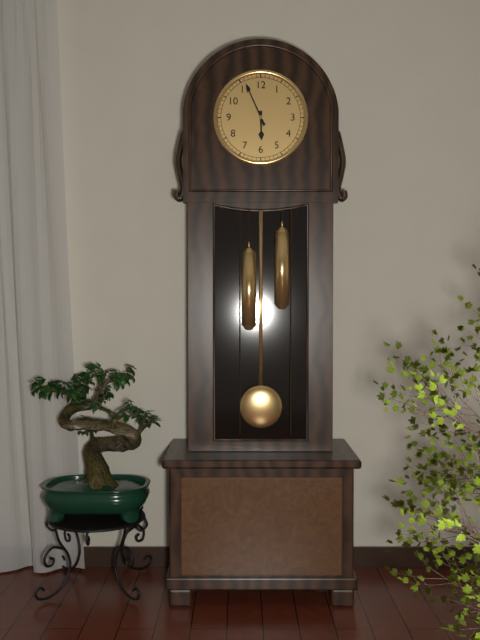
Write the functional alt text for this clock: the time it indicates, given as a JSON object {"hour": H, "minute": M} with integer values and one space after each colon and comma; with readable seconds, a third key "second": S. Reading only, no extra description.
{"hour": 5, "minute": 56}
